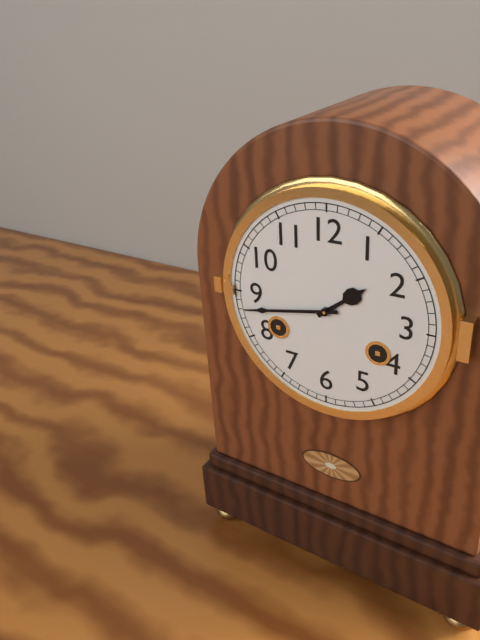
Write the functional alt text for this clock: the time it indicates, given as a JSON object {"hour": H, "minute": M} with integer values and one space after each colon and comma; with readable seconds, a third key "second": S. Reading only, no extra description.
{"hour": 1, "minute": 43}
